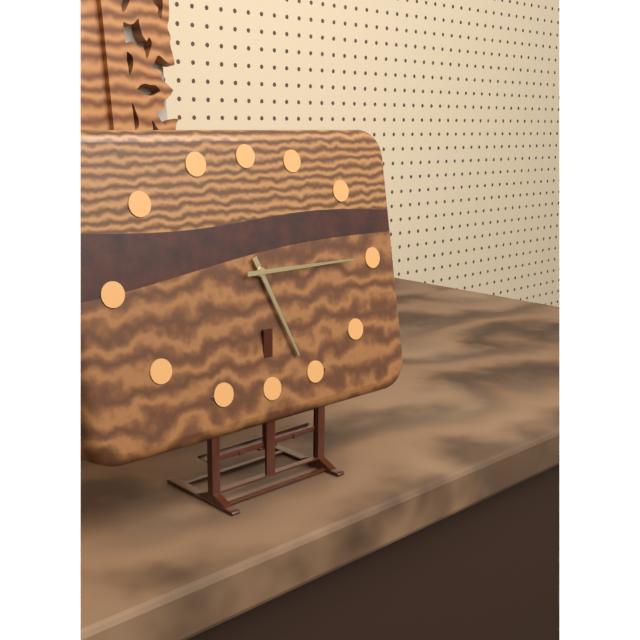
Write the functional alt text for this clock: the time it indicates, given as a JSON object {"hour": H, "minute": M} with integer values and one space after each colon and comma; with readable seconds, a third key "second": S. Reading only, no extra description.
{"hour": 5, "minute": 15}
